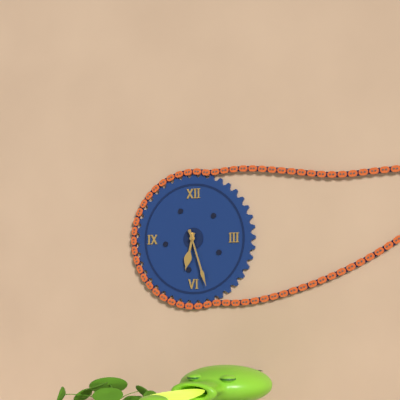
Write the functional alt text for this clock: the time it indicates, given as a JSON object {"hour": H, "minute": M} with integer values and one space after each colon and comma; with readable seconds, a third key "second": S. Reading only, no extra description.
{"hour": 6, "minute": 27}
